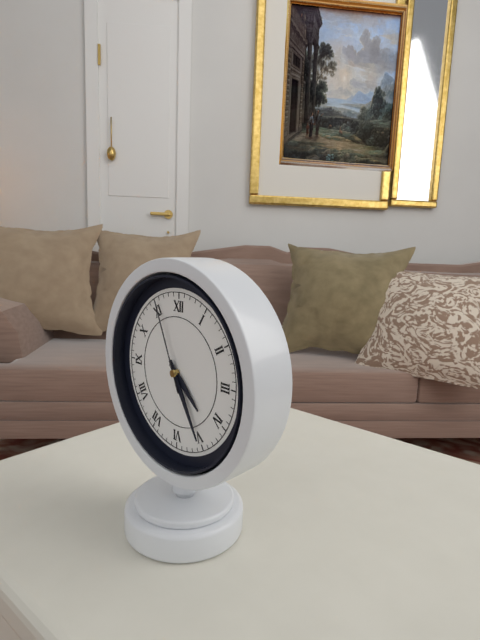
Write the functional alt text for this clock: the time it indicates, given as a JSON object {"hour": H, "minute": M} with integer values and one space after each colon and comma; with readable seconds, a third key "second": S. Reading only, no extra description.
{"hour": 4, "minute": 25, "second": 56}
